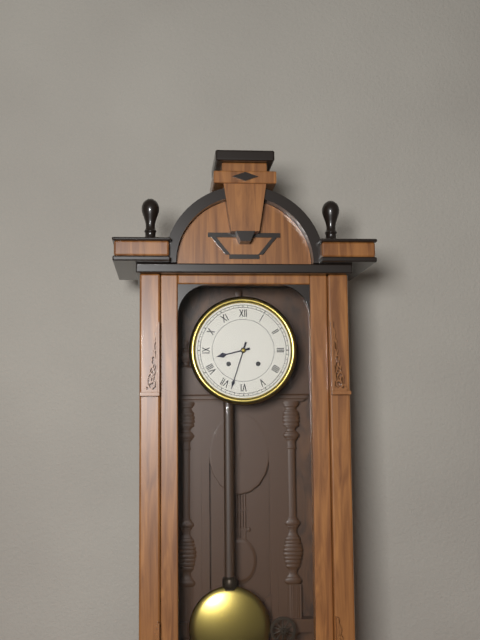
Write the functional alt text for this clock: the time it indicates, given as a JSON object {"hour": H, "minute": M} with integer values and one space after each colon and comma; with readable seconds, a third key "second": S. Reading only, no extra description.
{"hour": 8, "minute": 33}
